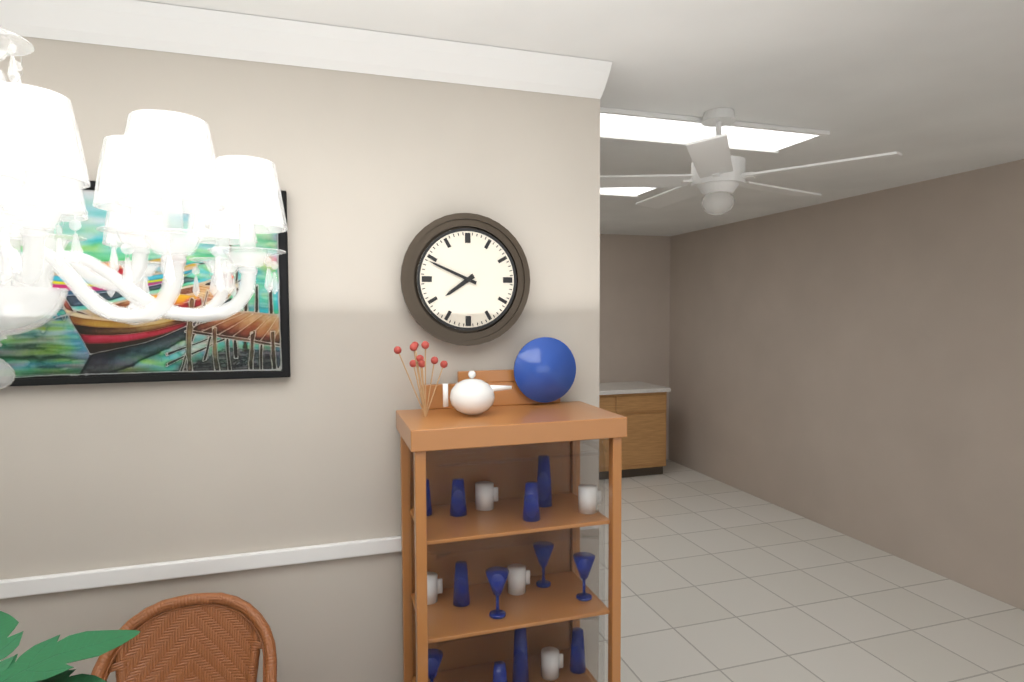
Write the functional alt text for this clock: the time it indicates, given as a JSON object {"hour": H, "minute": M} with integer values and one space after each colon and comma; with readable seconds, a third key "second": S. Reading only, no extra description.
{"hour": 7, "minute": 49}
